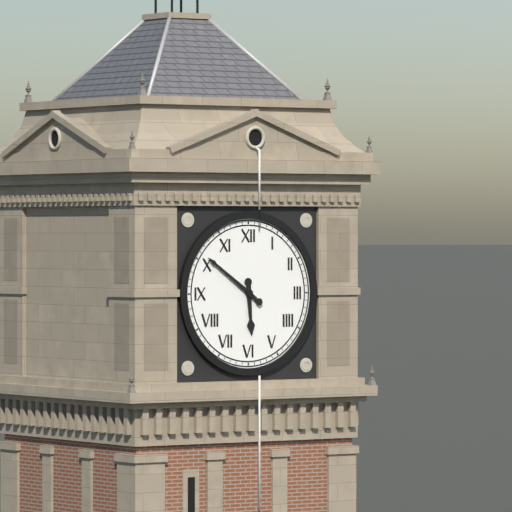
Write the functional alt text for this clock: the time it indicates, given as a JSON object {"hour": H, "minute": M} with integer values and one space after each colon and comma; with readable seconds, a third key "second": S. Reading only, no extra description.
{"hour": 5, "minute": 51}
